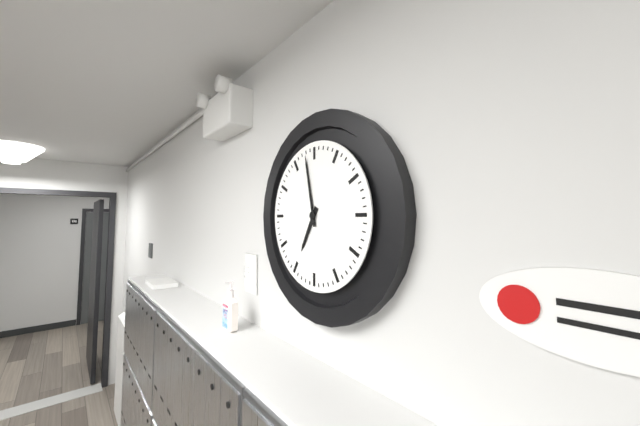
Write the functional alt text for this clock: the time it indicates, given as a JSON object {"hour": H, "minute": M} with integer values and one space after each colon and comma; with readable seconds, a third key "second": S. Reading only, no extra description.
{"hour": 6, "minute": 58}
